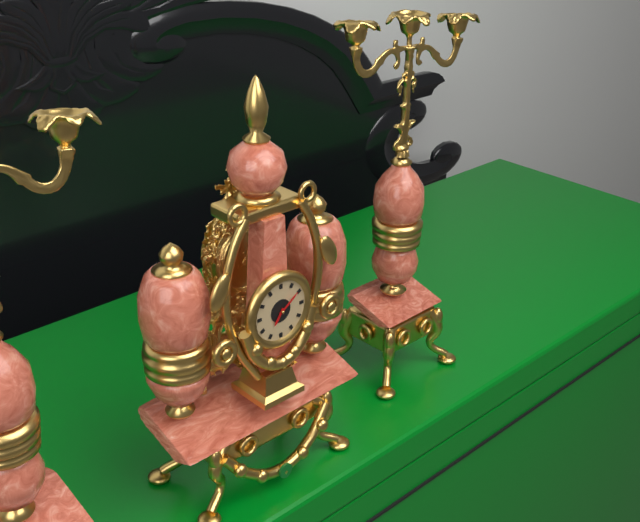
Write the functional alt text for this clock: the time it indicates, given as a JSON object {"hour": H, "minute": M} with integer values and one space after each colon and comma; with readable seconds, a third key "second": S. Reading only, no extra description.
{"hour": 7, "minute": 9}
